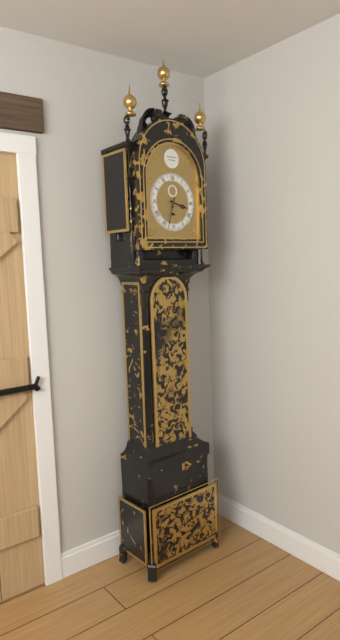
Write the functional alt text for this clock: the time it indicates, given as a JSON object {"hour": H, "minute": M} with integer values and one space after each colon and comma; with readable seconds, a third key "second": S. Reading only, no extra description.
{"hour": 3, "minute": 33}
